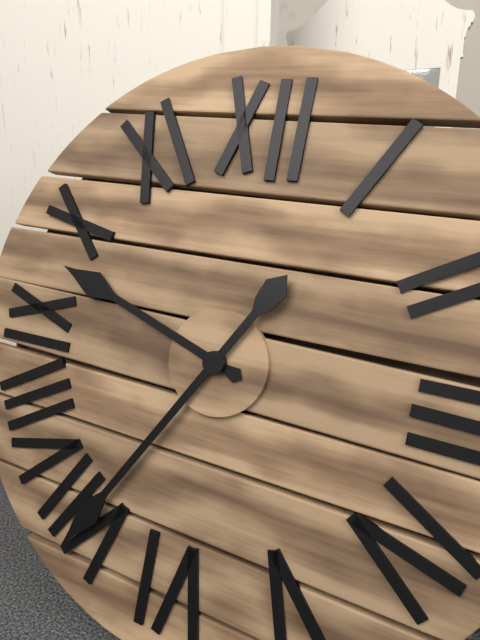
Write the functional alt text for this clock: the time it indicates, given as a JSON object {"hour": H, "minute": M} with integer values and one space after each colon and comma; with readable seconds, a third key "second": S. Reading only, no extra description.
{"hour": 9, "minute": 35}
